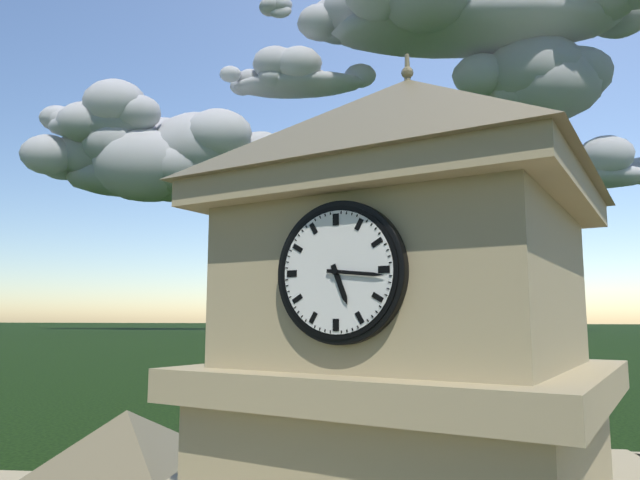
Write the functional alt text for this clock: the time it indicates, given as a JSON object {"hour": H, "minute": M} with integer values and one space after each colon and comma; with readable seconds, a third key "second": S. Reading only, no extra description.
{"hour": 5, "minute": 16}
